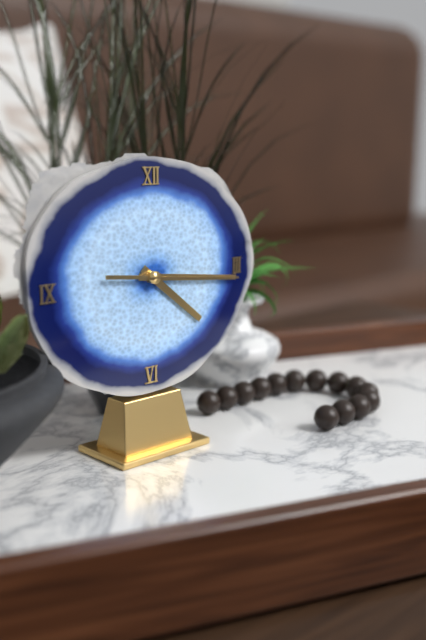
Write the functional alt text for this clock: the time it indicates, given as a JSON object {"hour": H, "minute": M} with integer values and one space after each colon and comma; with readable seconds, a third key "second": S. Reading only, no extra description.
{"hour": 4, "minute": 16, "second": 16}
